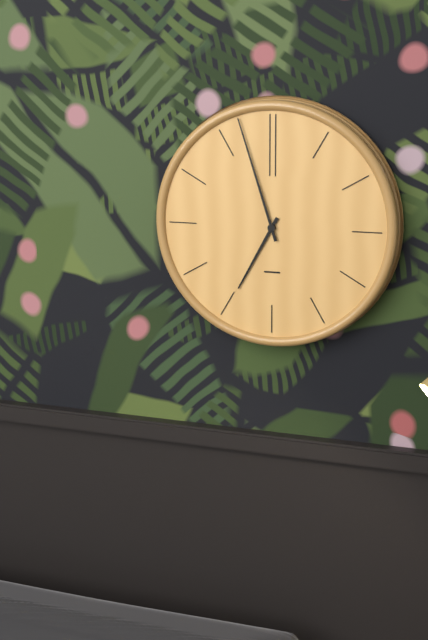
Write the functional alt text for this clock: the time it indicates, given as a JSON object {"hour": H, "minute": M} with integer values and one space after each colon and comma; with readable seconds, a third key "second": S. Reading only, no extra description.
{"hour": 6, "minute": 57}
